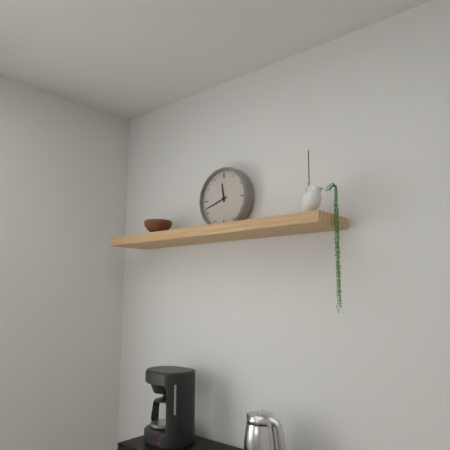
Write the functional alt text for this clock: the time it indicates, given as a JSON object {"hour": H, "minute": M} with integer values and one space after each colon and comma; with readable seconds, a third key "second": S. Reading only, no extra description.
{"hour": 11, "minute": 42}
